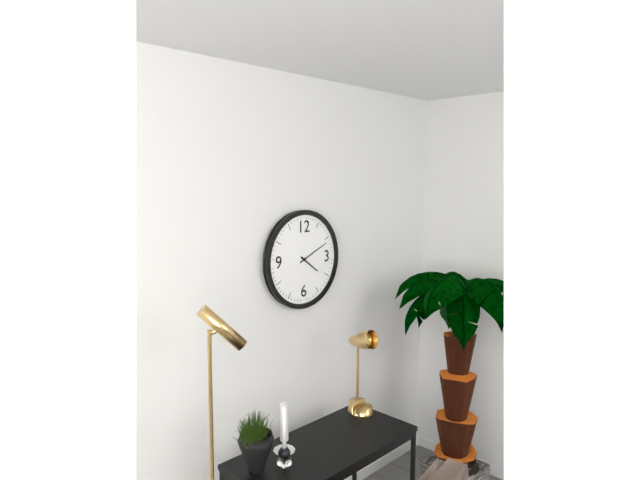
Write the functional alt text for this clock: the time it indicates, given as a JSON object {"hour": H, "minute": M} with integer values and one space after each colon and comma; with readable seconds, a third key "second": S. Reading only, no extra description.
{"hour": 4, "minute": 11}
